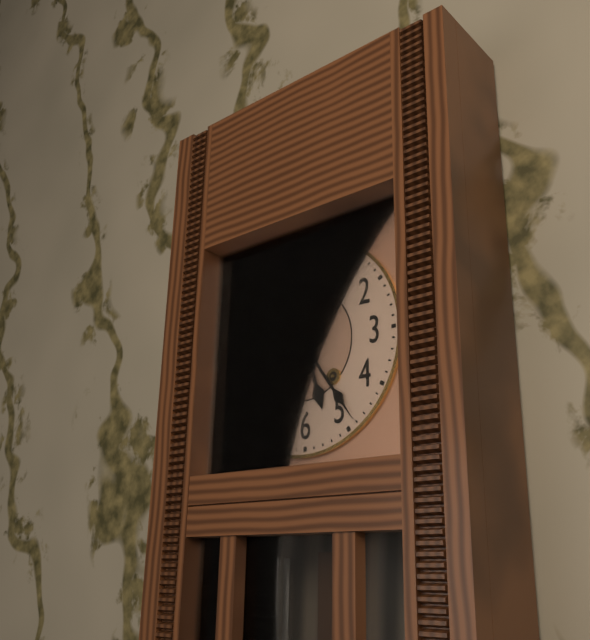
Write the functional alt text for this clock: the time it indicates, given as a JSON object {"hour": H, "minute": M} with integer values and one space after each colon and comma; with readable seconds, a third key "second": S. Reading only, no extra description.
{"hour": 5, "minute": 24}
